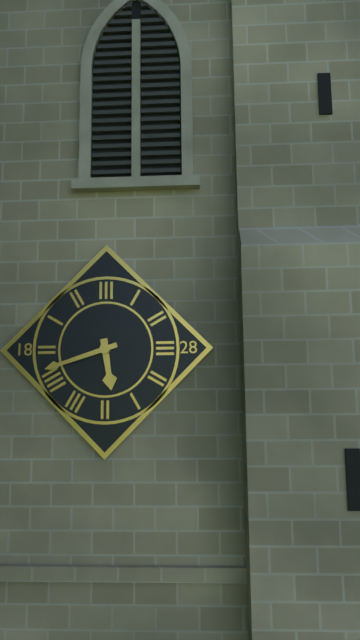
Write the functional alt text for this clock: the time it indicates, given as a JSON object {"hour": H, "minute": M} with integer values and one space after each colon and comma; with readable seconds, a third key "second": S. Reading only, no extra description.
{"hour": 5, "minute": 42}
